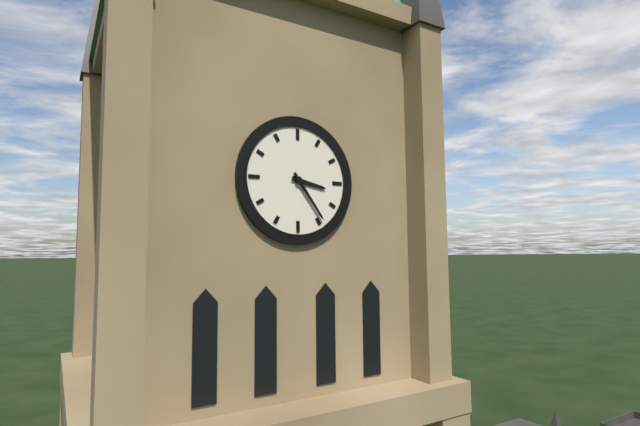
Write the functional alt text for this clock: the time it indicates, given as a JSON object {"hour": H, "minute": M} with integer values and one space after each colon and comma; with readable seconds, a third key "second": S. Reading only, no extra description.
{"hour": 3, "minute": 24}
